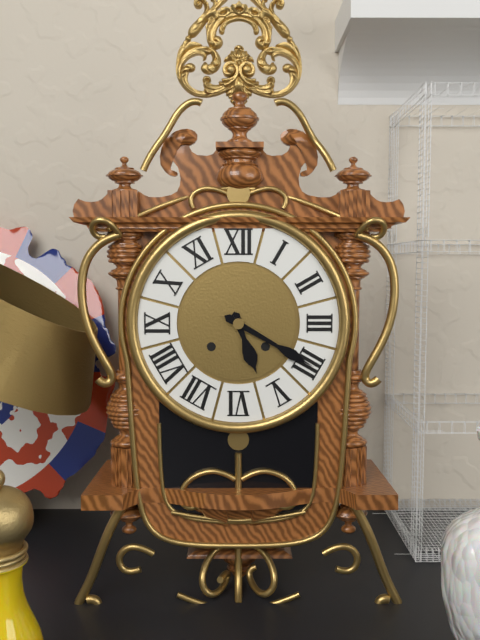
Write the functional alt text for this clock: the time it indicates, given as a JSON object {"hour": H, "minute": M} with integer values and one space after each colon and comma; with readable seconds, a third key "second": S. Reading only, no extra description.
{"hour": 5, "minute": 20}
